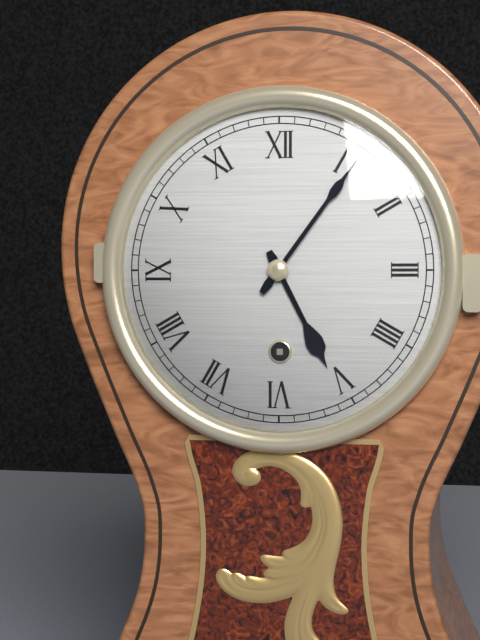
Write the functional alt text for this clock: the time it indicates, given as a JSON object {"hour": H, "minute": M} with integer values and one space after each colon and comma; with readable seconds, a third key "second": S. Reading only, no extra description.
{"hour": 5, "minute": 6}
